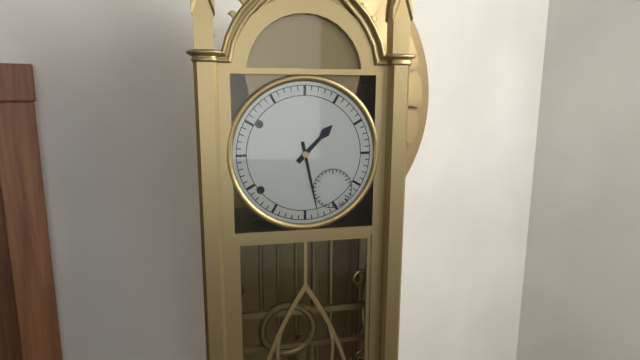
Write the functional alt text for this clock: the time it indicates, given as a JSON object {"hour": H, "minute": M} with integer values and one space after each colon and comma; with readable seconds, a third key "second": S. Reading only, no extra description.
{"hour": 1, "minute": 28}
